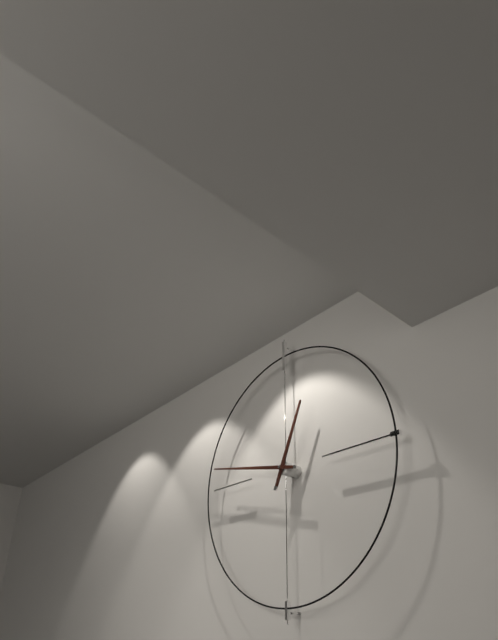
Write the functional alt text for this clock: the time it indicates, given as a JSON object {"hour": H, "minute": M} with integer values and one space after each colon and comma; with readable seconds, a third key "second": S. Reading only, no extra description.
{"hour": 12, "minute": 47}
